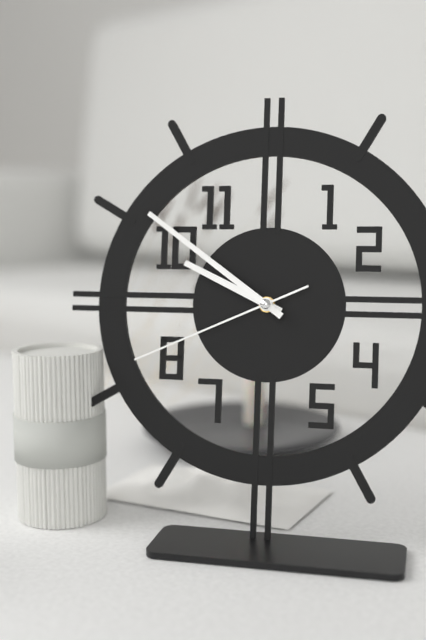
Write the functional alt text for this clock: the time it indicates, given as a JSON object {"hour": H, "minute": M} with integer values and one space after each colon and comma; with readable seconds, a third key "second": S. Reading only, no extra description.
{"hour": 9, "minute": 51, "second": 41}
